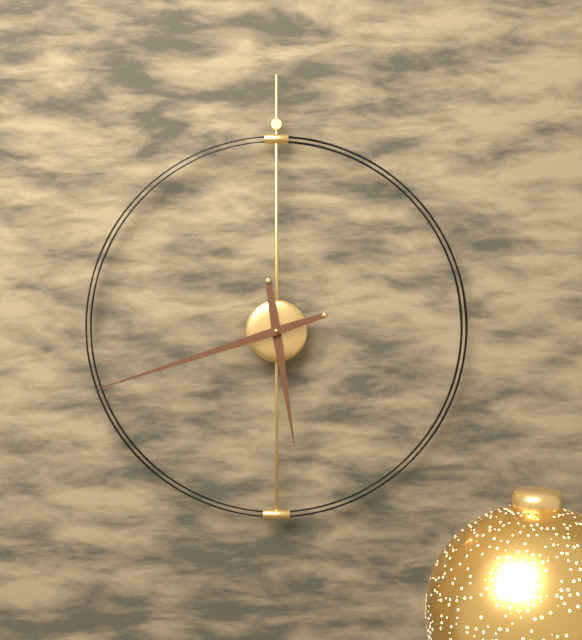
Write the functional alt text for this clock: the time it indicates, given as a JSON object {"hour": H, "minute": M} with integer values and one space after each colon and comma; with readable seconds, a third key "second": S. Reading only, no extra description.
{"hour": 5, "minute": 42}
